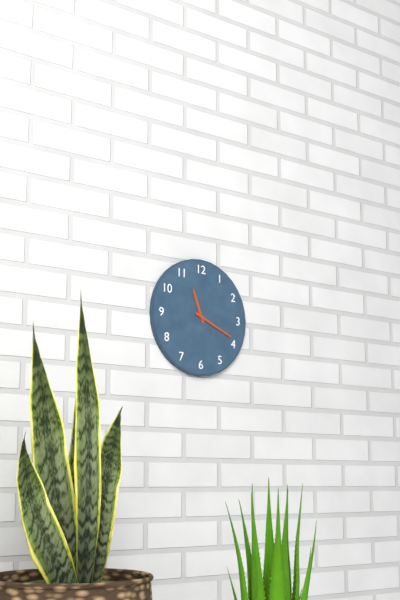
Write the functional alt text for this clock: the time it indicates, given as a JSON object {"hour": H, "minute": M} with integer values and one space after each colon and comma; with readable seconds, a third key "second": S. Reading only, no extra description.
{"hour": 11, "minute": 19}
